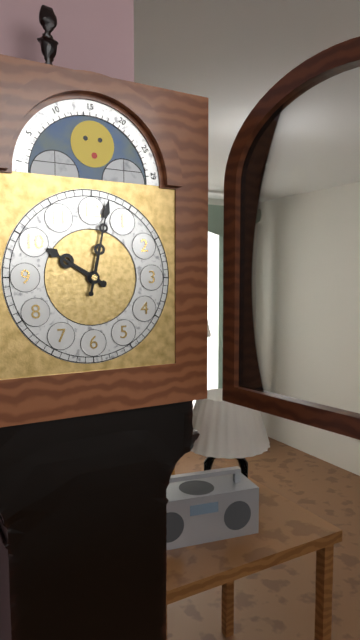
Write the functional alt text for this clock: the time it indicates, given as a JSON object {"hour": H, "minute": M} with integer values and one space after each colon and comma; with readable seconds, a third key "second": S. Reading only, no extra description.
{"hour": 10, "minute": 2}
